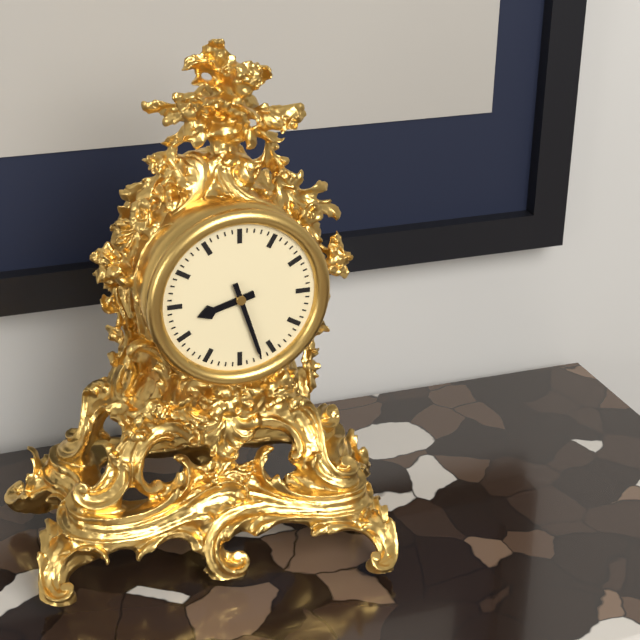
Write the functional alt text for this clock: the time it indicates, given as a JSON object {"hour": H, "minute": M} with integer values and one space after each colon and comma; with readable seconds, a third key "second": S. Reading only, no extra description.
{"hour": 8, "minute": 27}
